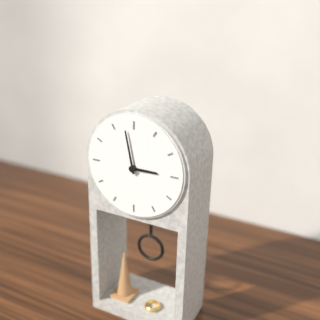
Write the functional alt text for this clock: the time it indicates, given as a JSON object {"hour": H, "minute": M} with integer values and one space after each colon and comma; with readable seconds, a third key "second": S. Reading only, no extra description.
{"hour": 2, "minute": 58}
